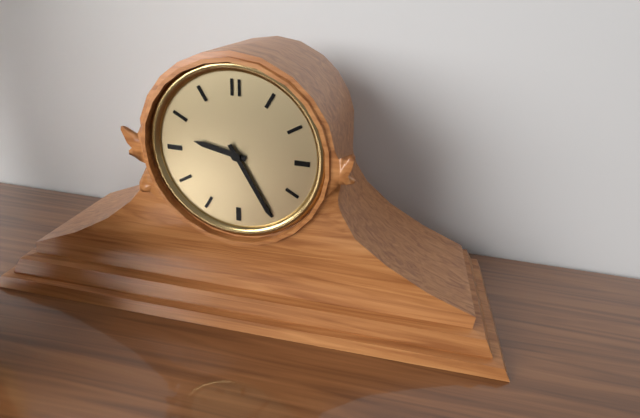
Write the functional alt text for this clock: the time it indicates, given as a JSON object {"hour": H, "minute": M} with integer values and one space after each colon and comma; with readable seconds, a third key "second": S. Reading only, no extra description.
{"hour": 9, "minute": 25}
